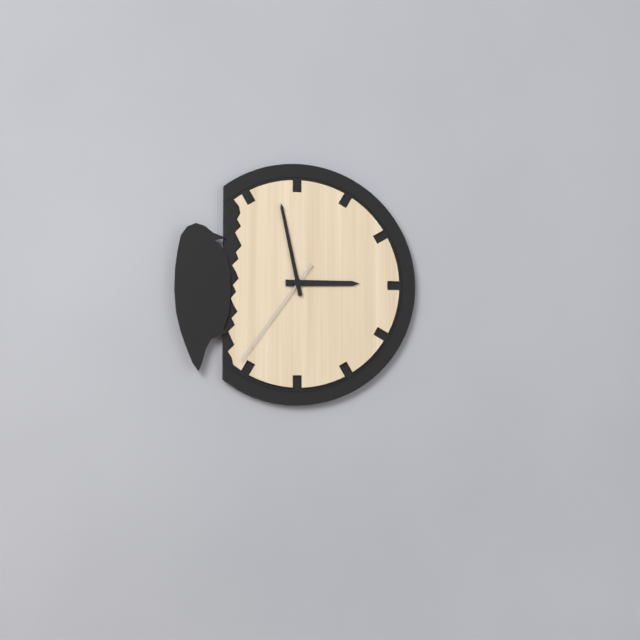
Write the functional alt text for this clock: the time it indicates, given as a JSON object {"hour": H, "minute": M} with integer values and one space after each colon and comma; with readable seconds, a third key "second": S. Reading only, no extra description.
{"hour": 2, "minute": 58, "second": 36}
